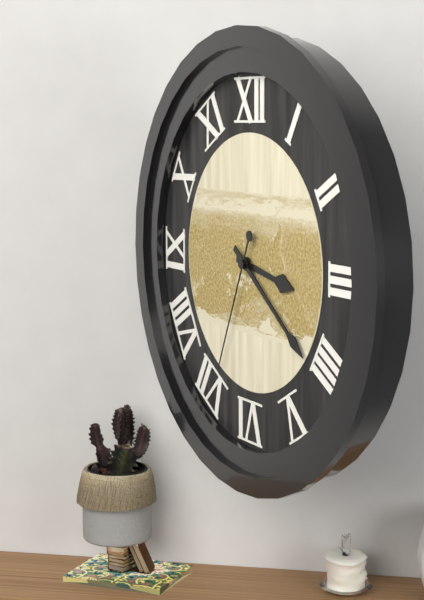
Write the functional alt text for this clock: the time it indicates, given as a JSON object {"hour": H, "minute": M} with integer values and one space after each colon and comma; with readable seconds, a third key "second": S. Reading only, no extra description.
{"hour": 3, "minute": 21, "second": 34}
